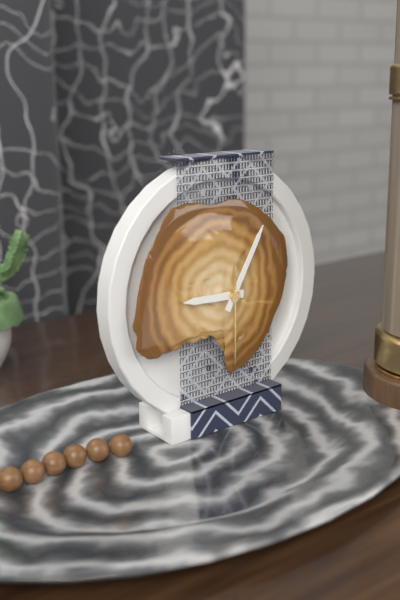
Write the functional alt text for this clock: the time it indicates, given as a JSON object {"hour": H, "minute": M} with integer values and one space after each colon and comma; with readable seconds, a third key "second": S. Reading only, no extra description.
{"hour": 9, "minute": 5, "second": 30}
